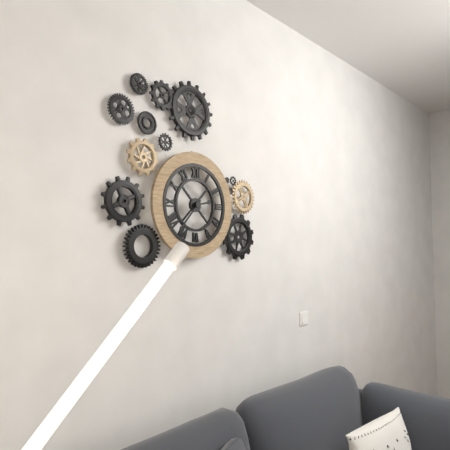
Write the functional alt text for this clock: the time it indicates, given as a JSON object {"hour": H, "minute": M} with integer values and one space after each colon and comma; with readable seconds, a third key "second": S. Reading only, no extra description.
{"hour": 2, "minute": 37}
